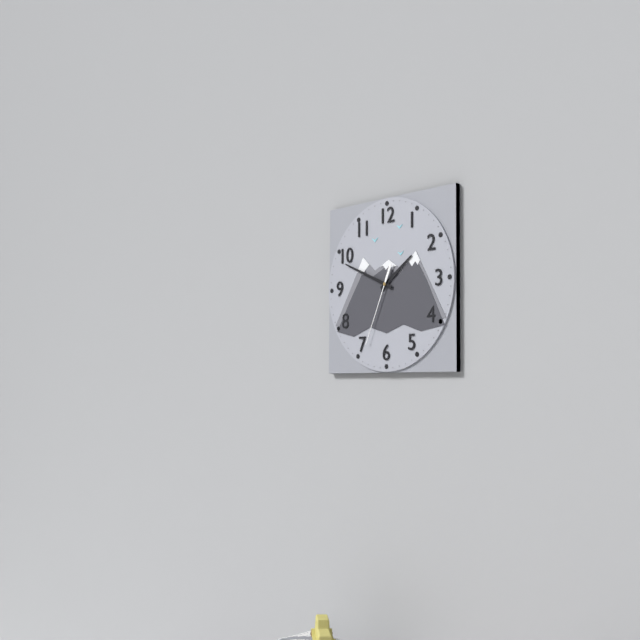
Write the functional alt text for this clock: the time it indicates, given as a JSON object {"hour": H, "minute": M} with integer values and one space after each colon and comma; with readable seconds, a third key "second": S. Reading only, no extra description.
{"hour": 1, "minute": 49, "second": 34}
